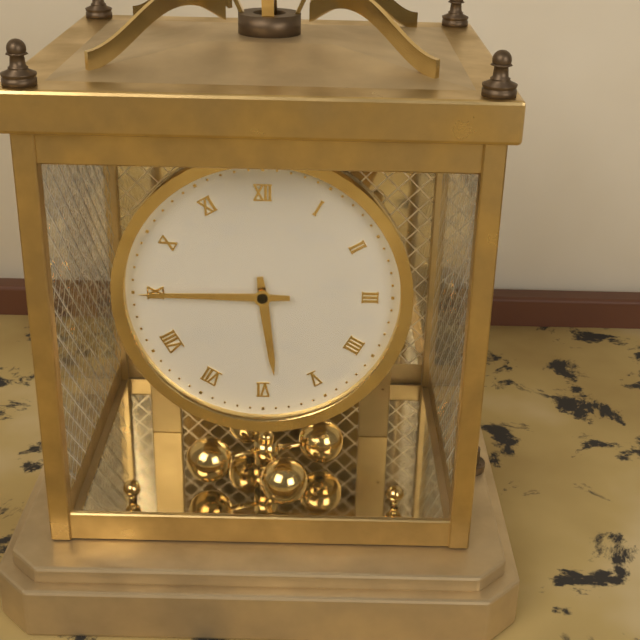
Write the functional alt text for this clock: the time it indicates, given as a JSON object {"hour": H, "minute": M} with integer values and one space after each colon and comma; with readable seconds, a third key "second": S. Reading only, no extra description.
{"hour": 5, "minute": 45}
